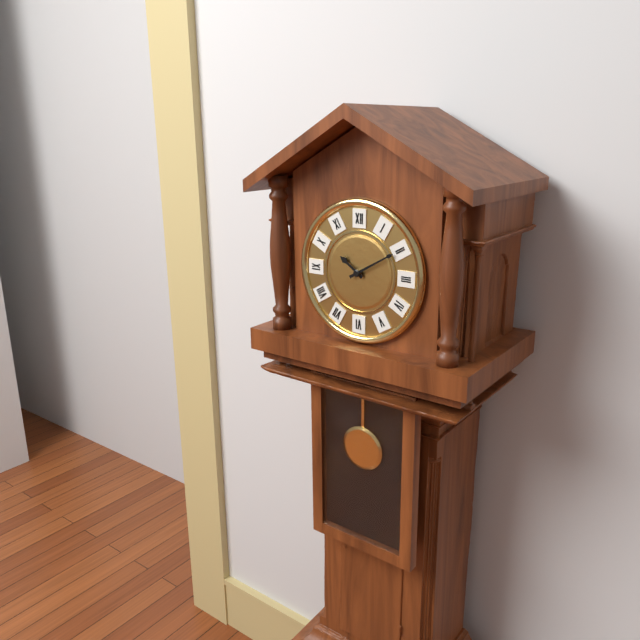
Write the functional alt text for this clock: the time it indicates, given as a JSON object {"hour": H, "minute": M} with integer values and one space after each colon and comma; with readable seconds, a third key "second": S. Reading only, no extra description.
{"hour": 10, "minute": 10}
